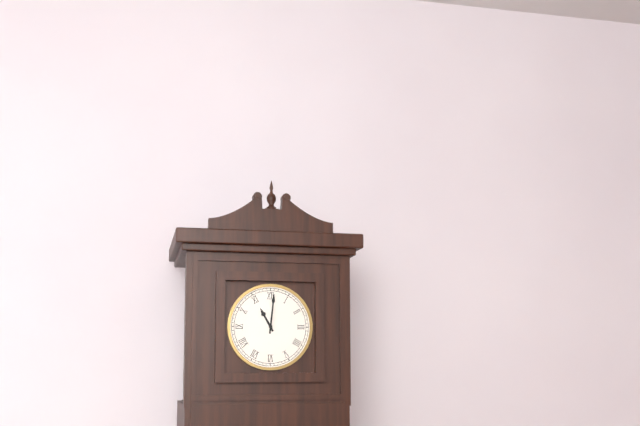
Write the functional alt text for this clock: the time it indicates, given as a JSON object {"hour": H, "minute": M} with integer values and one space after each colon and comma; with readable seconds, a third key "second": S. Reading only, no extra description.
{"hour": 11, "minute": 1}
